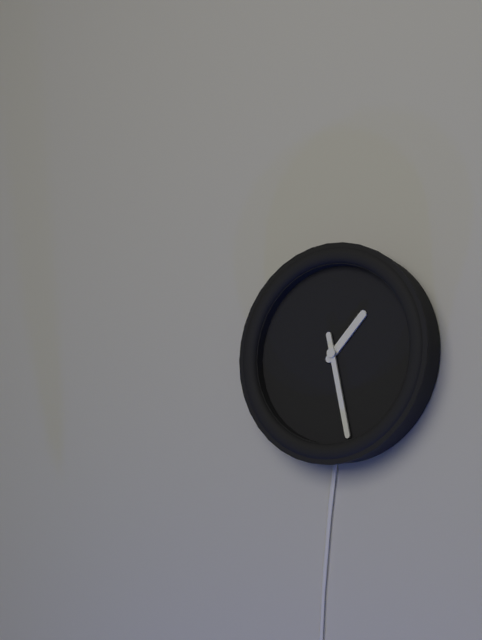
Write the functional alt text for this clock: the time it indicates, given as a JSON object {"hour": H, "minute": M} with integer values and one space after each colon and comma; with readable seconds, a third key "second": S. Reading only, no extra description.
{"hour": 1, "minute": 28}
